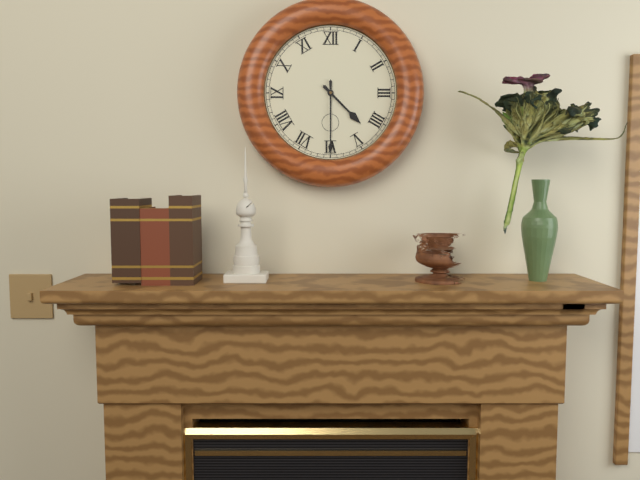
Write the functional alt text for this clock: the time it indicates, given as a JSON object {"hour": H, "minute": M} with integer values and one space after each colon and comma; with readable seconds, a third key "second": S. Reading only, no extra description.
{"hour": 4, "minute": 30}
